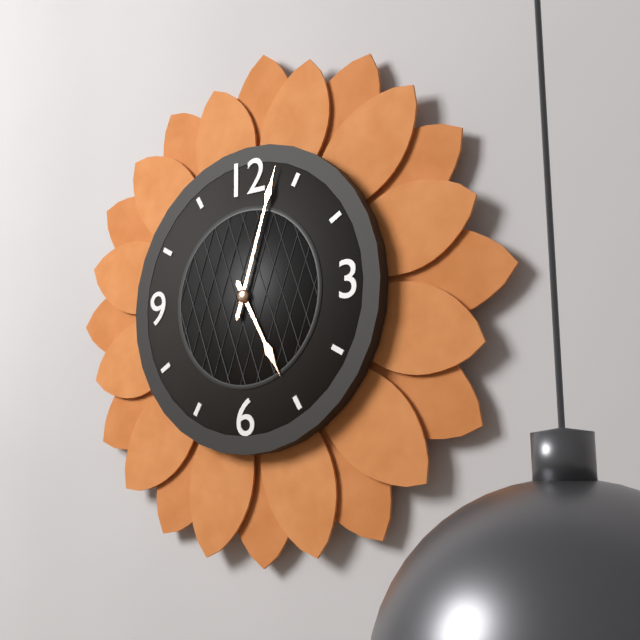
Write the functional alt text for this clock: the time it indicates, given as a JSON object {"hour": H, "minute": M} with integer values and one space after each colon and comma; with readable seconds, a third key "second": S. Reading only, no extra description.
{"hour": 5, "minute": 3}
